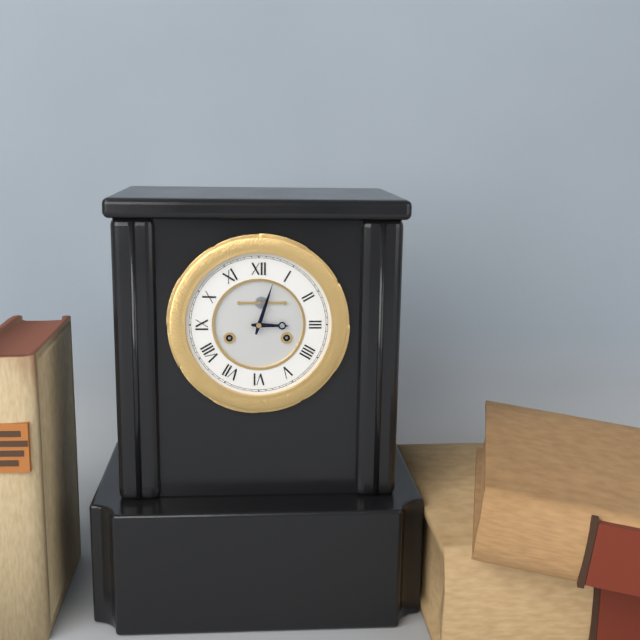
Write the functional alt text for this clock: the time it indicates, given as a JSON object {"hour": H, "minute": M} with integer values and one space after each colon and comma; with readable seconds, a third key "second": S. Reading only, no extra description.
{"hour": 3, "minute": 3}
